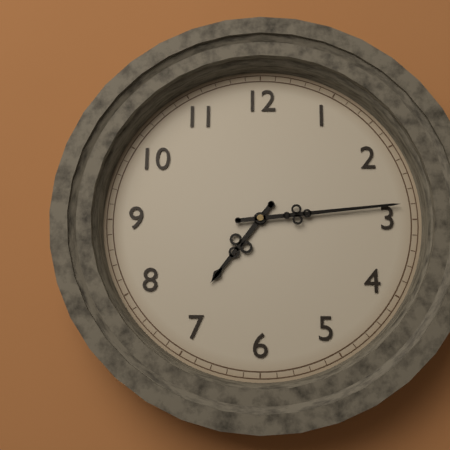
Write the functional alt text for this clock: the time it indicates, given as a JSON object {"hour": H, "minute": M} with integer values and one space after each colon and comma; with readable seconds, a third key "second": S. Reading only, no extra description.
{"hour": 7, "minute": 14}
